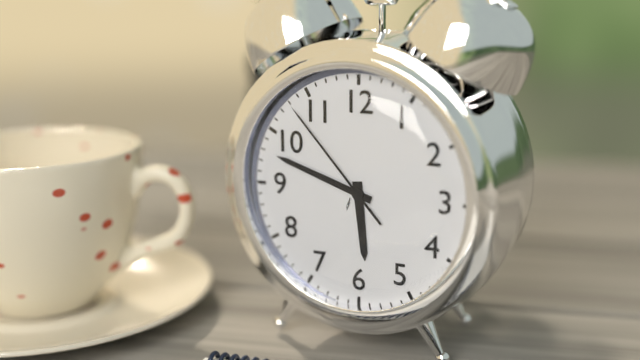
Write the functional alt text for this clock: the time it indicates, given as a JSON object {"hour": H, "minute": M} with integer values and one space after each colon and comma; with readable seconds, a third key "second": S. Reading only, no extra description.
{"hour": 5, "minute": 48, "second": 53}
